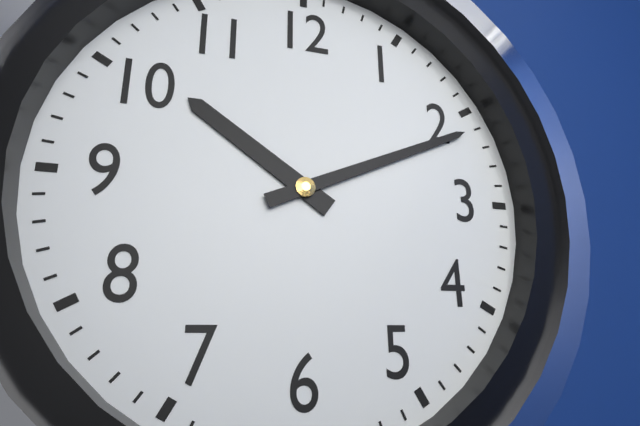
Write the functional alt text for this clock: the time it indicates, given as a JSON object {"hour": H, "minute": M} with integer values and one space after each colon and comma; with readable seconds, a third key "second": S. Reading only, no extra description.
{"hour": 10, "minute": 11}
